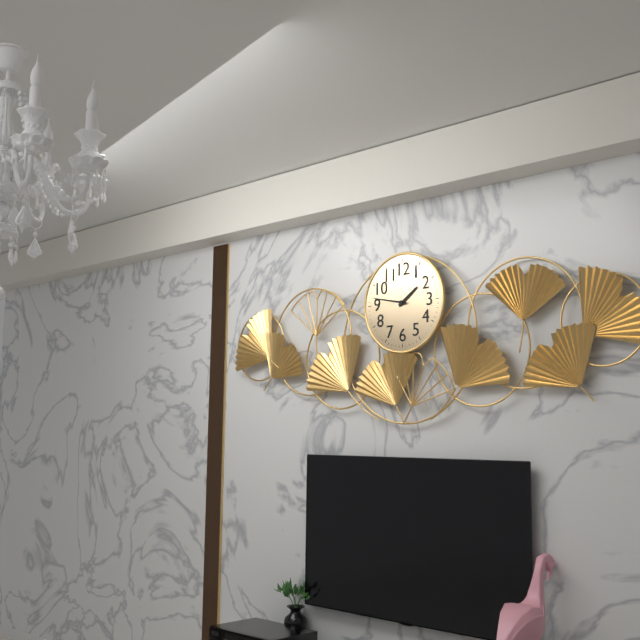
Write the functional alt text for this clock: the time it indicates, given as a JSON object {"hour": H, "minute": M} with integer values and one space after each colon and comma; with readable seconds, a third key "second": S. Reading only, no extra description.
{"hour": 1, "minute": 47}
